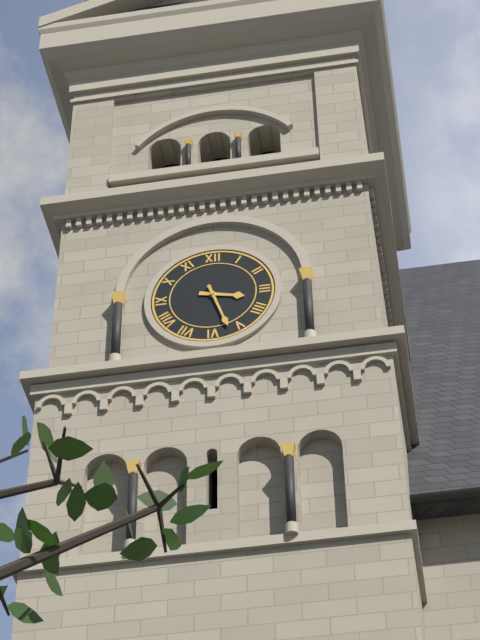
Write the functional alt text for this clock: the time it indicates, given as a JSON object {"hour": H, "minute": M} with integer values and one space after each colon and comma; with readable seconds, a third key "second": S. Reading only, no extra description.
{"hour": 3, "minute": 27}
